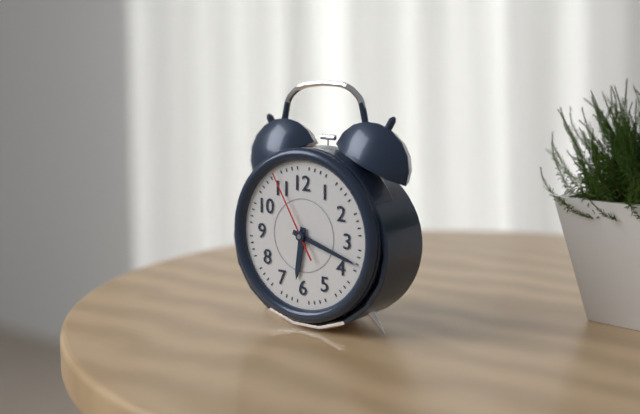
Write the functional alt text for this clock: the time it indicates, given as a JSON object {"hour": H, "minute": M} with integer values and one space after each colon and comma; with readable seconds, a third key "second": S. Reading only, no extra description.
{"hour": 6, "minute": 18, "second": 55}
